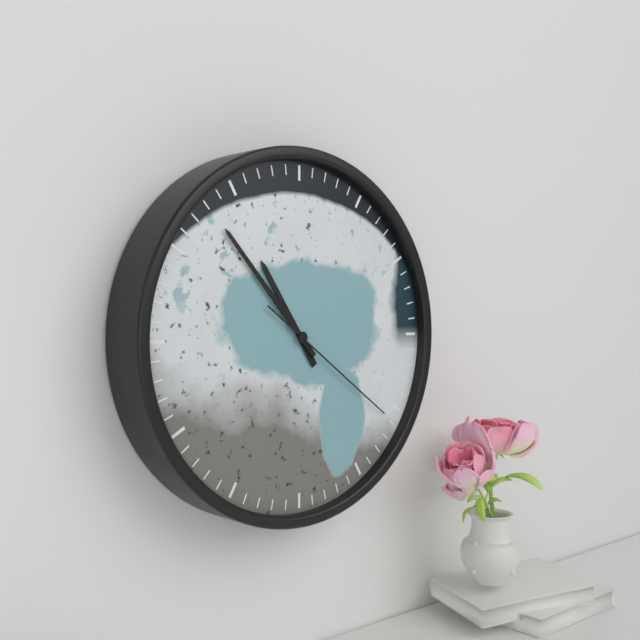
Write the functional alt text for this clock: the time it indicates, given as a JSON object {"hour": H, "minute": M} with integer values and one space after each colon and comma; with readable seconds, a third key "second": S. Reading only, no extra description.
{"hour": 10, "minute": 53, "second": 21}
